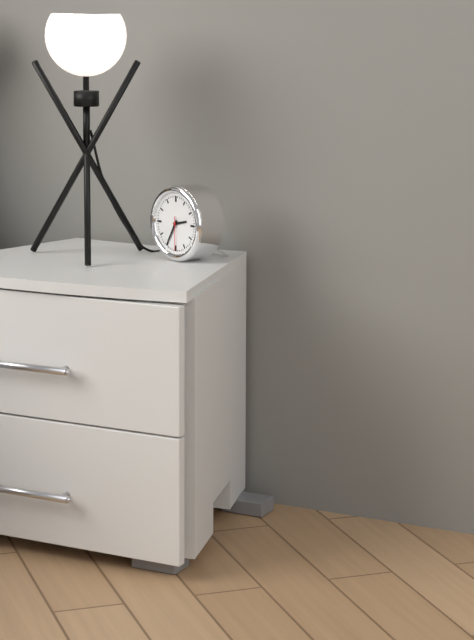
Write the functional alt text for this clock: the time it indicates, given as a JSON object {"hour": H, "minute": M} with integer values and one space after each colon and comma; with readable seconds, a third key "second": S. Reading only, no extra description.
{"hour": 2, "minute": 35}
